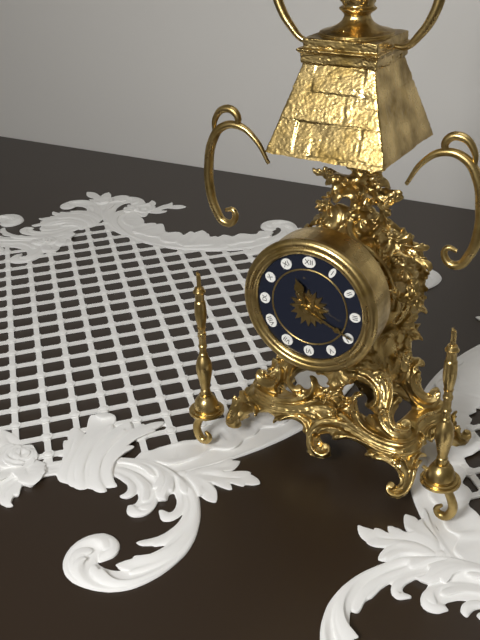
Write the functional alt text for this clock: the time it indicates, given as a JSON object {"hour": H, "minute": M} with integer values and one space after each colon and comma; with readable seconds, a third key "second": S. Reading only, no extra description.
{"hour": 11, "minute": 19}
